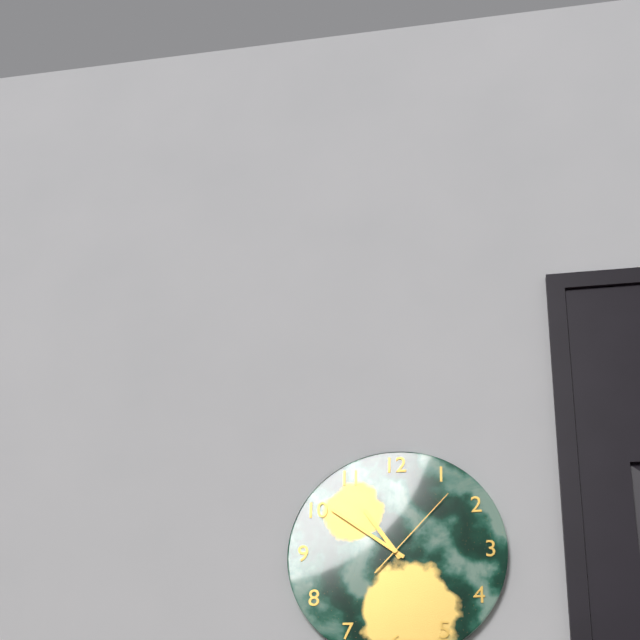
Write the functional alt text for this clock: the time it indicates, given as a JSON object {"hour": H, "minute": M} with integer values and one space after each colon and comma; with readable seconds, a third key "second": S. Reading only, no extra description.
{"hour": 10, "minute": 51, "second": 7}
